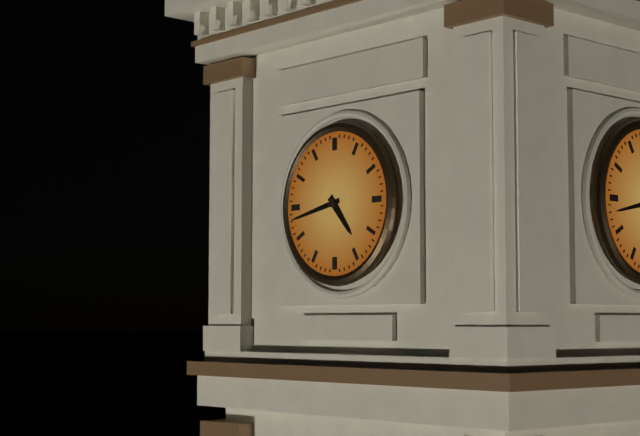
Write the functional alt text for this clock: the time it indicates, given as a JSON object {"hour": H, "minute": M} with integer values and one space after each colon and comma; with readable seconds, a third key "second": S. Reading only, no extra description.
{"hour": 4, "minute": 43}
